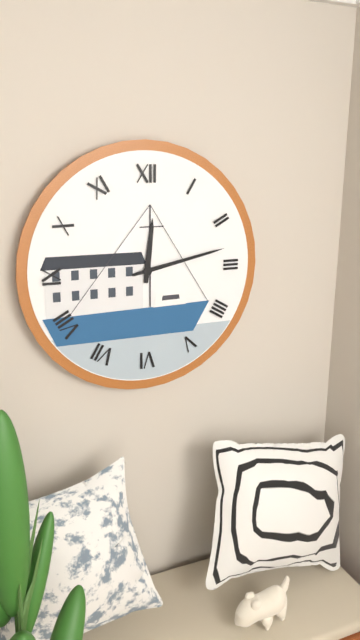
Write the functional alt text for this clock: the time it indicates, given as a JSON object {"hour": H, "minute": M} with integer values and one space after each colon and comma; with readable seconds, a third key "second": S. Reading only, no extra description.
{"hour": 12, "minute": 13}
